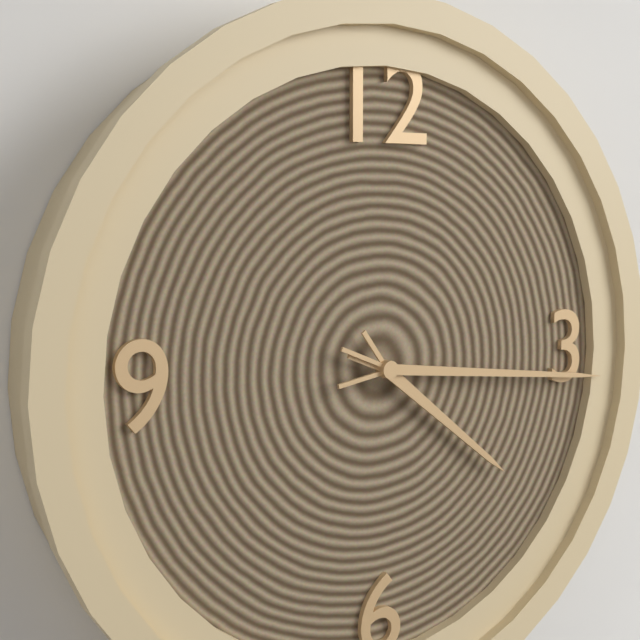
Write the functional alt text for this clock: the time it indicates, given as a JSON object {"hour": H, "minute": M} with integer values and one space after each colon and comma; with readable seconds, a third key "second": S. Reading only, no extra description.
{"hour": 4, "minute": 16}
